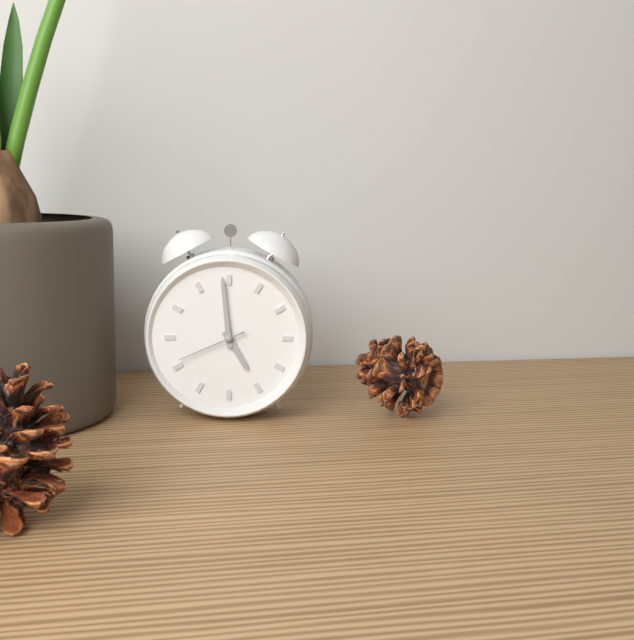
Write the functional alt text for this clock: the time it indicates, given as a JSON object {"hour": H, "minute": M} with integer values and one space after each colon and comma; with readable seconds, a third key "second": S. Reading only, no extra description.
{"hour": 4, "minute": 59, "second": 41}
